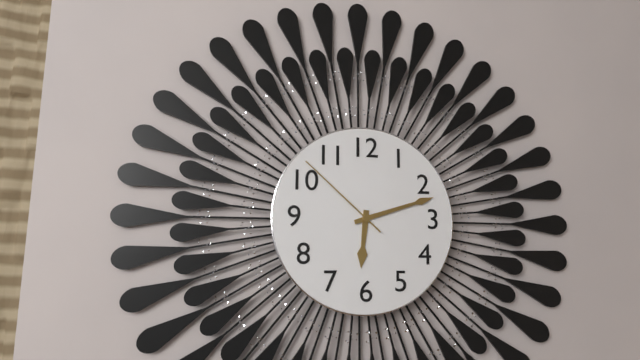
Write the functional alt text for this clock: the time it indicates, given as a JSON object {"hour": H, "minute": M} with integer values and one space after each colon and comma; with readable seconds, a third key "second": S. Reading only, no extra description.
{"hour": 6, "minute": 12, "second": 52}
